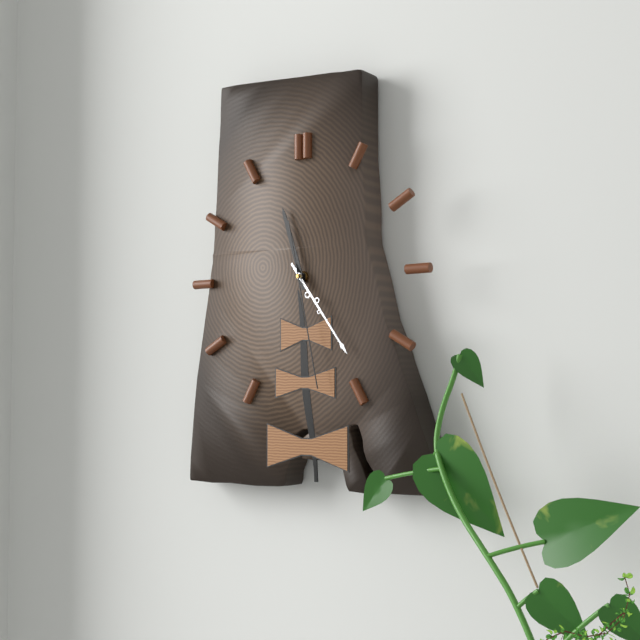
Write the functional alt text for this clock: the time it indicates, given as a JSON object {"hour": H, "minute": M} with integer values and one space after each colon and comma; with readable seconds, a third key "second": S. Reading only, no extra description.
{"hour": 11, "minute": 24, "second": 28}
